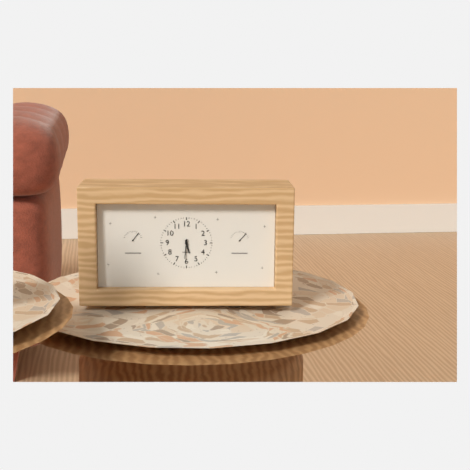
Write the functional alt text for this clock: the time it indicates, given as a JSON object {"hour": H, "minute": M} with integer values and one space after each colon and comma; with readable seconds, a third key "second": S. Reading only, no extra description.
{"hour": 5, "minute": 31}
